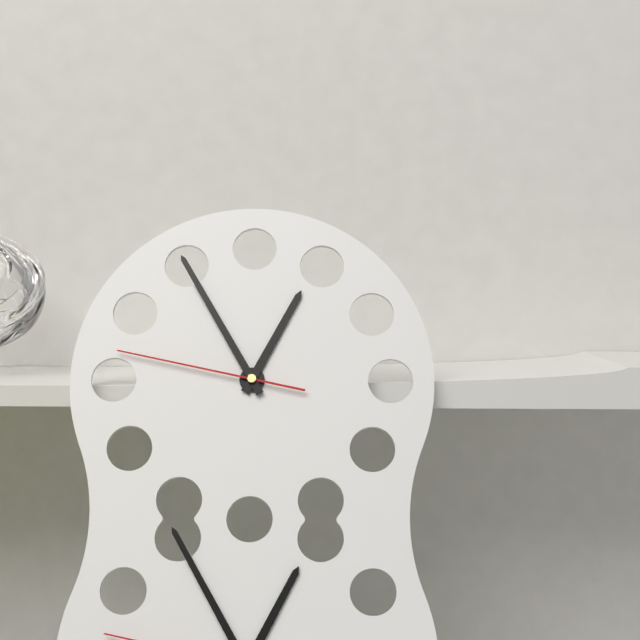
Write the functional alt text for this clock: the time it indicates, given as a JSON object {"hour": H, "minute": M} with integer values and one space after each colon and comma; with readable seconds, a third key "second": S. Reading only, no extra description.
{"hour": 12, "minute": 55, "second": 47}
